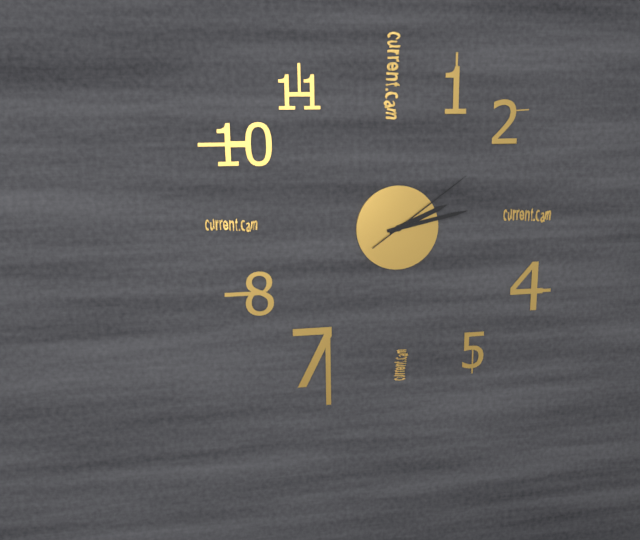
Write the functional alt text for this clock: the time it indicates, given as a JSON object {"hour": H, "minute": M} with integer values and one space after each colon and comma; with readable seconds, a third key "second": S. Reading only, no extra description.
{"hour": 2, "minute": 13, "second": 9}
